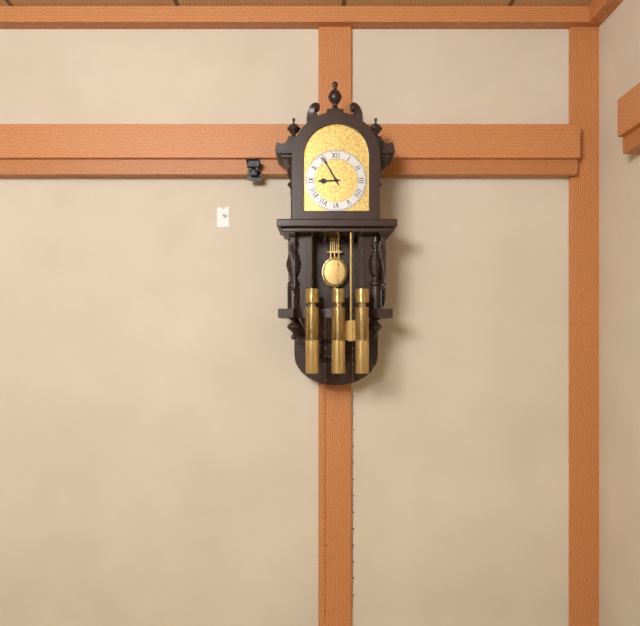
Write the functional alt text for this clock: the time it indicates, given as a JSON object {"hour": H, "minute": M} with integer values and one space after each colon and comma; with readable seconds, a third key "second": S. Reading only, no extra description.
{"hour": 8, "minute": 55}
